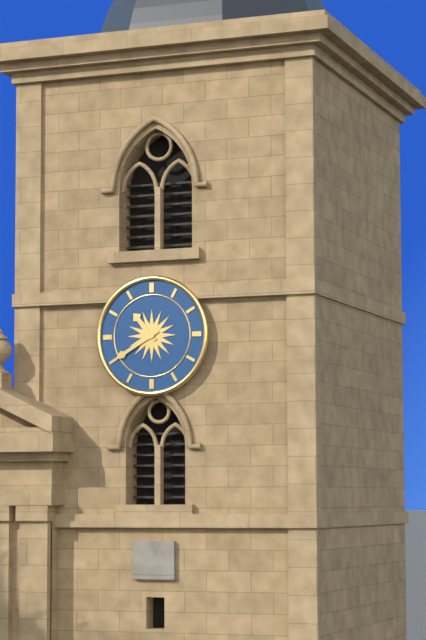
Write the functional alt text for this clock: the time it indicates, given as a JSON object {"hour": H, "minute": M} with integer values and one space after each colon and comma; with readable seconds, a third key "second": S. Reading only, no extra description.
{"hour": 10, "minute": 40}
